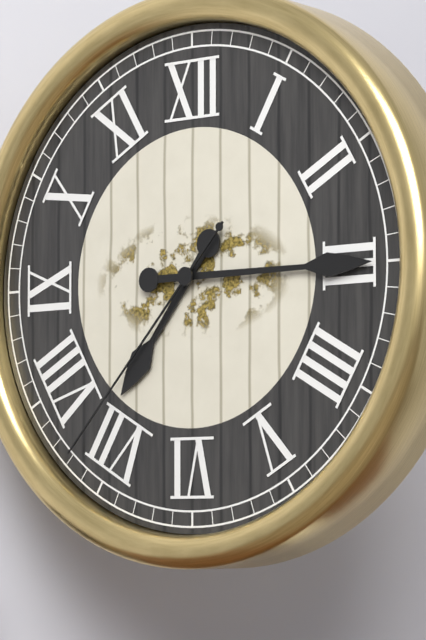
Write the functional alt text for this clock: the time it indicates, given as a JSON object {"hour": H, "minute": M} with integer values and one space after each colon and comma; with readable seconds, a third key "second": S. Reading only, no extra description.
{"hour": 7, "minute": 15, "second": 37}
